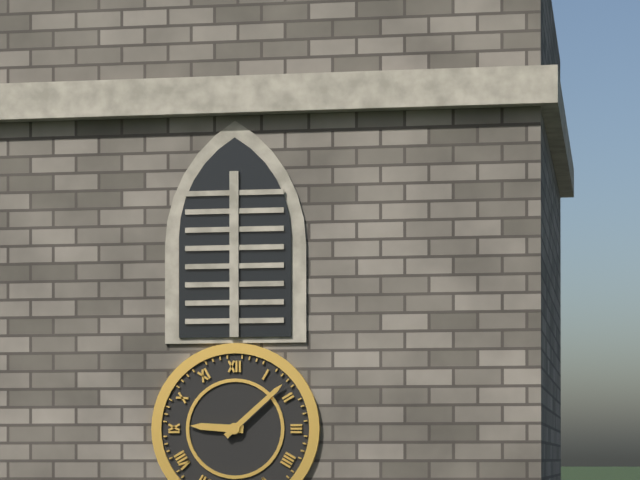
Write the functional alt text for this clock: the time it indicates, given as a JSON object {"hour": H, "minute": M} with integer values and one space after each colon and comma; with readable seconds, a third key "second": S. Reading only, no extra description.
{"hour": 9, "minute": 8}
